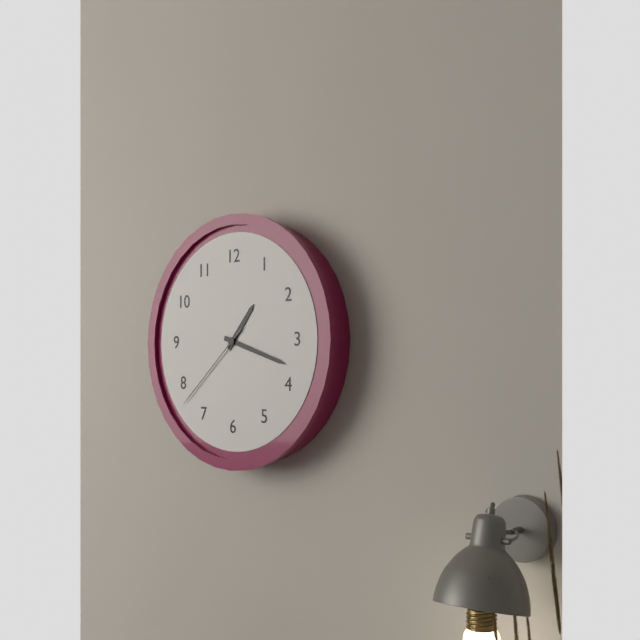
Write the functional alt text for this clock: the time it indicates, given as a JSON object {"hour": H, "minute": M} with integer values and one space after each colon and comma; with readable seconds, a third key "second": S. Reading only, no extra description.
{"hour": 1, "minute": 18, "second": 38}
